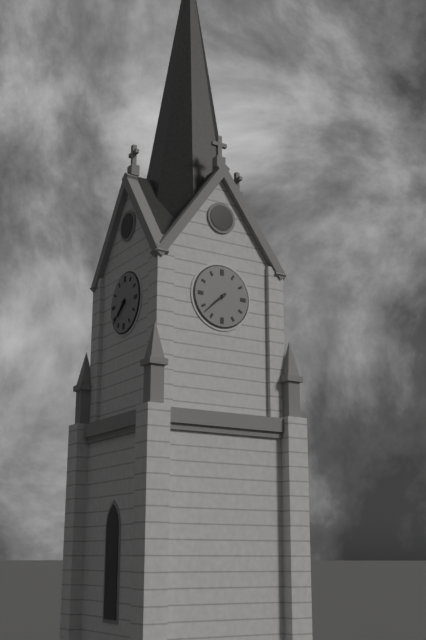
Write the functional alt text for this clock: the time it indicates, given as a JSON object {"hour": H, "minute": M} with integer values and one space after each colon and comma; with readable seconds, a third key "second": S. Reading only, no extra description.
{"hour": 7, "minute": 38}
